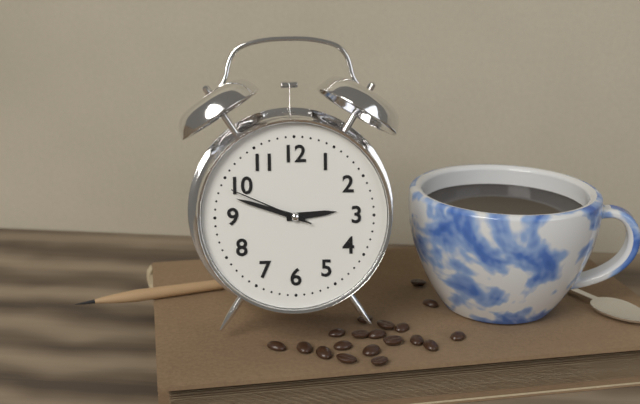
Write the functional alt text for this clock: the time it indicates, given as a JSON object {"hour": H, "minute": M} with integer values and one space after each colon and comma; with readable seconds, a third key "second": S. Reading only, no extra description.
{"hour": 2, "minute": 48, "second": 49}
